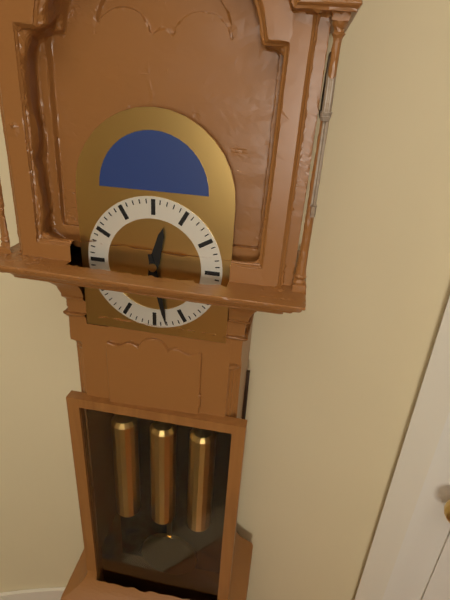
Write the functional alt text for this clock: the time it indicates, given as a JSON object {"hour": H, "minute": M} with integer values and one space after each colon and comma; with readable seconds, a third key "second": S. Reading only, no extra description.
{"hour": 12, "minute": 28}
